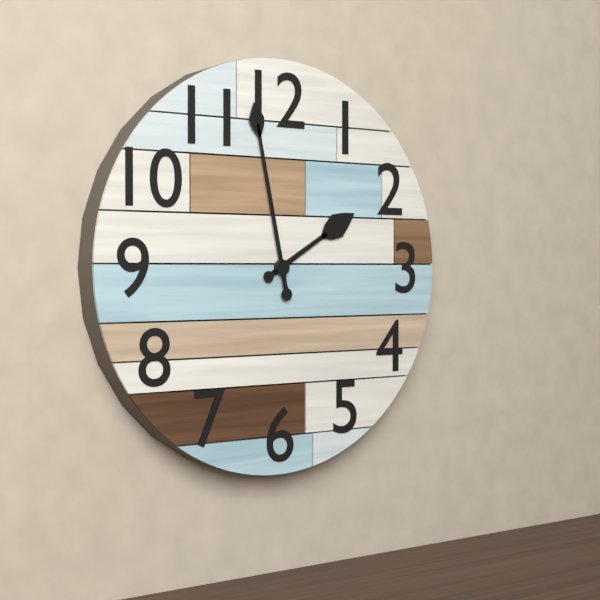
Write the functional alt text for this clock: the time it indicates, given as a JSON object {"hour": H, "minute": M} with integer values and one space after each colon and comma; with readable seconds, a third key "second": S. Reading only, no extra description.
{"hour": 1, "minute": 58}
